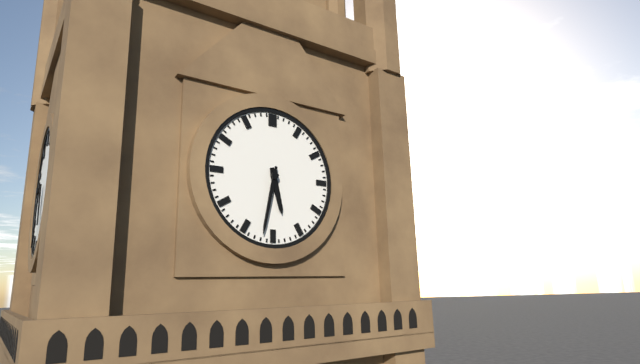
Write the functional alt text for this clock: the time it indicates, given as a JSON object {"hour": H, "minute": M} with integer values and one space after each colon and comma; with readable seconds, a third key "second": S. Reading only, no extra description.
{"hour": 5, "minute": 32}
